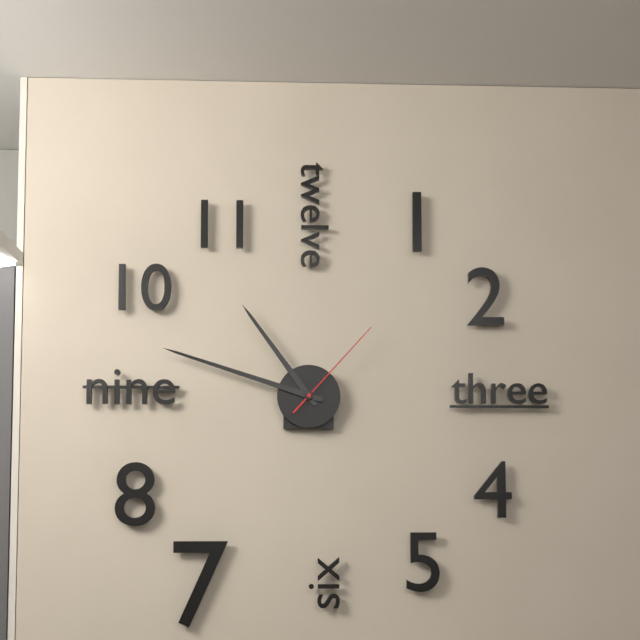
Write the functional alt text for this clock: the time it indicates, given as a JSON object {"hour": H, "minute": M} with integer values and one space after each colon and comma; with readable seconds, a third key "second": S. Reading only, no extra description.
{"hour": 10, "minute": 48, "second": 7}
